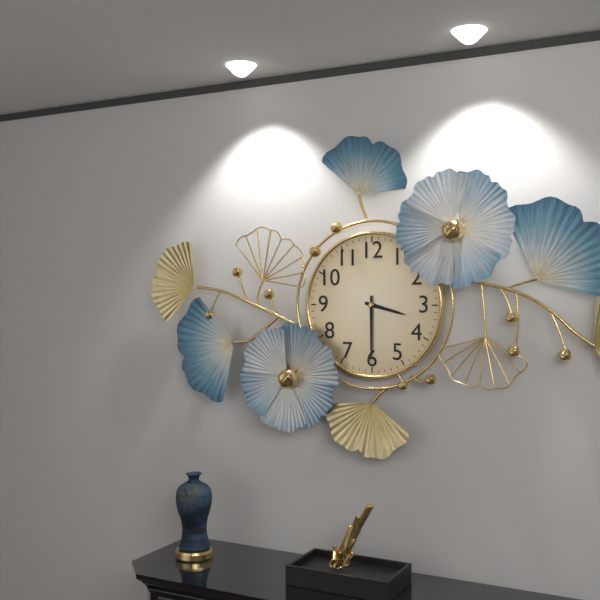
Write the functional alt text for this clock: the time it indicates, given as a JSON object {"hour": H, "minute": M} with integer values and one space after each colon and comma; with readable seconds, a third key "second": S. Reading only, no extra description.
{"hour": 3, "minute": 30}
